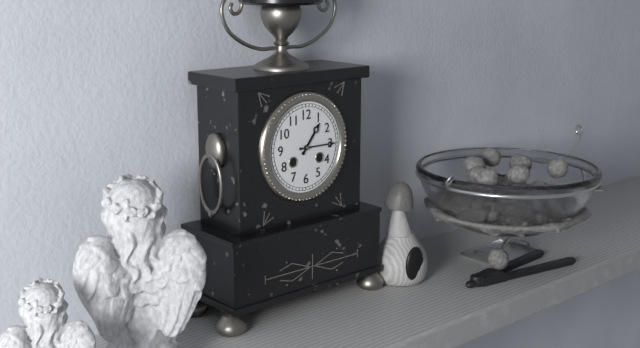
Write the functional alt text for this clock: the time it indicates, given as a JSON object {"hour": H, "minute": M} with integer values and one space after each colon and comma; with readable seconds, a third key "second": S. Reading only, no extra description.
{"hour": 1, "minute": 15}
